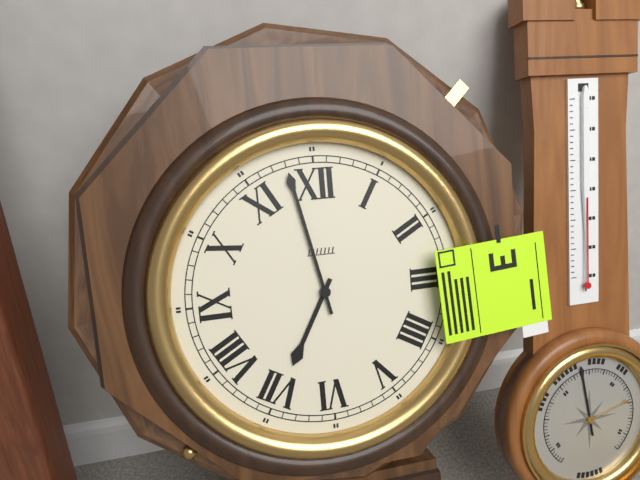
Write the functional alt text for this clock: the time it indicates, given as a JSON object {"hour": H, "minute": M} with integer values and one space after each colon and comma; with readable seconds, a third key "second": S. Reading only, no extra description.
{"hour": 6, "minute": 58}
